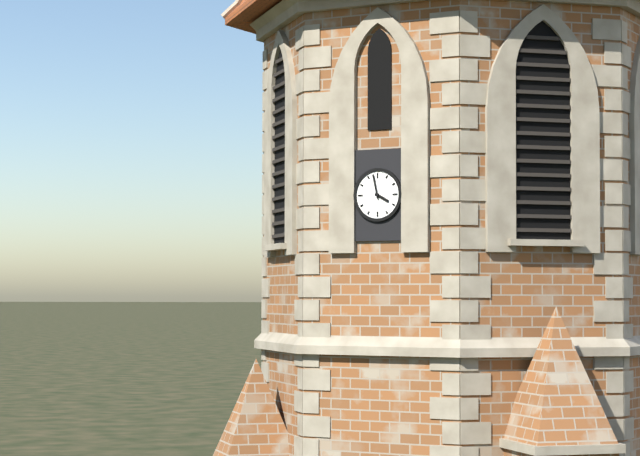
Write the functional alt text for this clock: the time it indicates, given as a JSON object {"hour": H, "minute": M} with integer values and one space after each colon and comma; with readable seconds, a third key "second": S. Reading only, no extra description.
{"hour": 3, "minute": 58}
